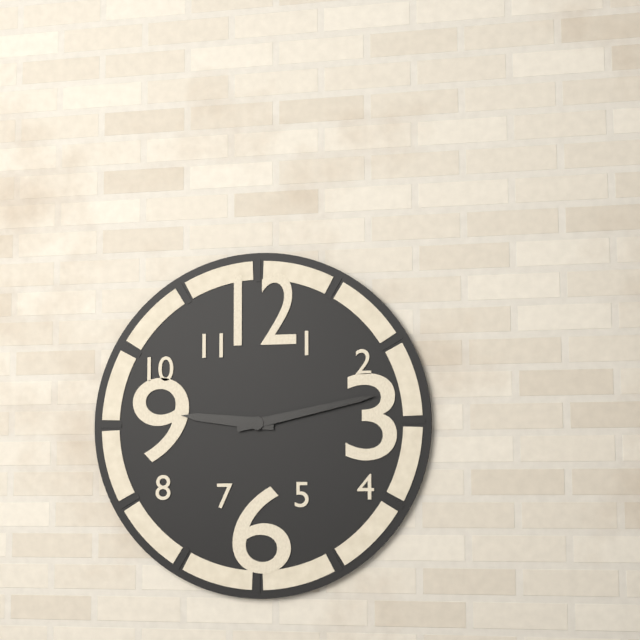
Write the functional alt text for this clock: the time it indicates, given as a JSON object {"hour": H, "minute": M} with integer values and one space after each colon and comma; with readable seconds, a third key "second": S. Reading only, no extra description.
{"hour": 9, "minute": 13}
